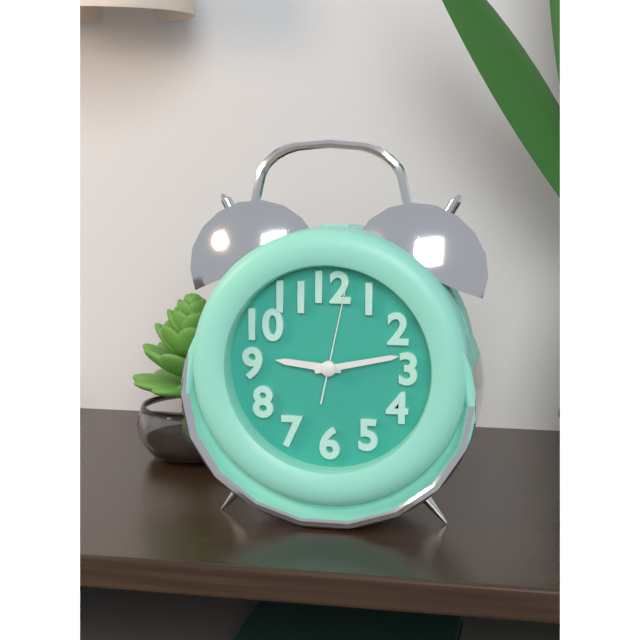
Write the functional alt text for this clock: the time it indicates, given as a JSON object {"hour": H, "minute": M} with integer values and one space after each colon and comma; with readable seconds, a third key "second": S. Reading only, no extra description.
{"hour": 9, "minute": 13, "second": 2}
